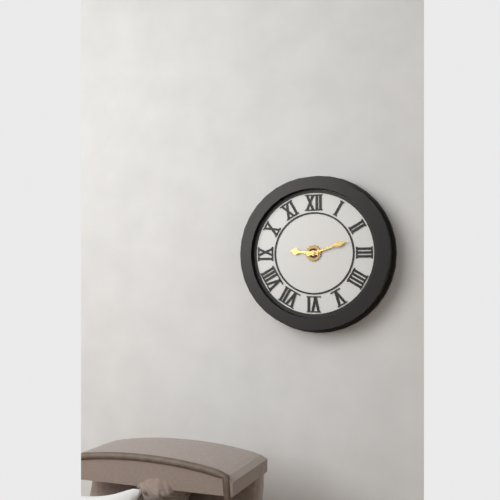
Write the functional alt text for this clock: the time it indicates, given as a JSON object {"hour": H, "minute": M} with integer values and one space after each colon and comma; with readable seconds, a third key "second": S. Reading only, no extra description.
{"hour": 9, "minute": 12}
